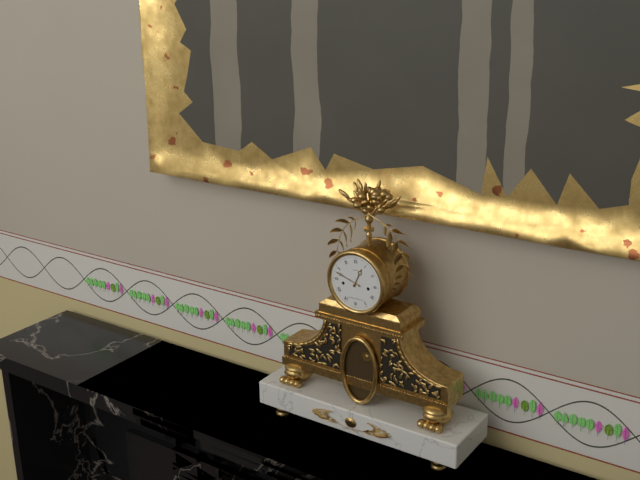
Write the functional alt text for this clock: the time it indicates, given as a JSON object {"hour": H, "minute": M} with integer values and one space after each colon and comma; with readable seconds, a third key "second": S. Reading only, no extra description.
{"hour": 12, "minute": 48}
